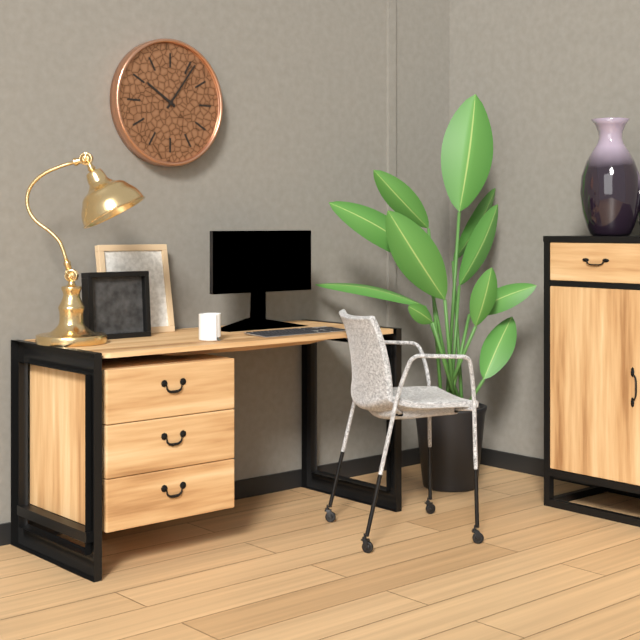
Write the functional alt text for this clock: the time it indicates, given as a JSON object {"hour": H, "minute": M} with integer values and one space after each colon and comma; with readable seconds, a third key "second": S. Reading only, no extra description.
{"hour": 10, "minute": 6}
